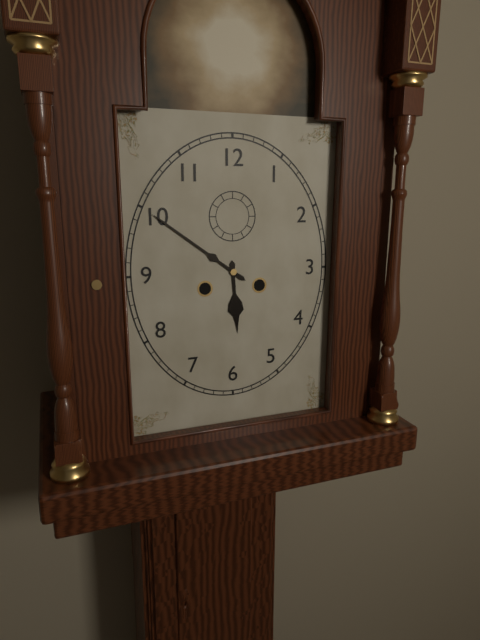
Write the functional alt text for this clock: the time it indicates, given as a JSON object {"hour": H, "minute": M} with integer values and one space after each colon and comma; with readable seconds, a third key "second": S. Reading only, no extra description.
{"hour": 5, "minute": 51}
